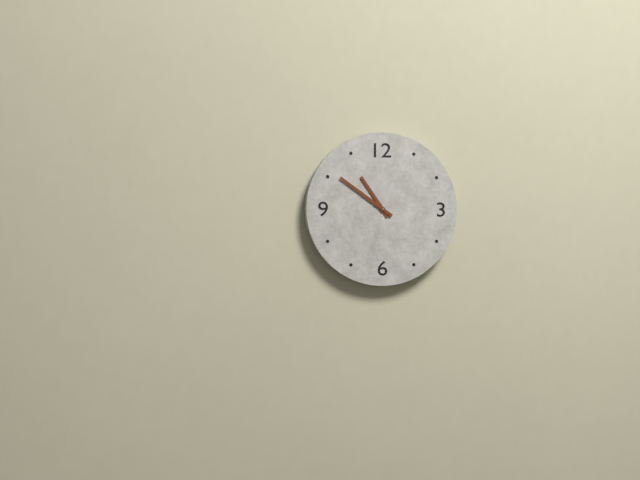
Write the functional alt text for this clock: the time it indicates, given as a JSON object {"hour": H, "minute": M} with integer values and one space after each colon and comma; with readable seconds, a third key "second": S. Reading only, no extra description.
{"hour": 10, "minute": 51}
